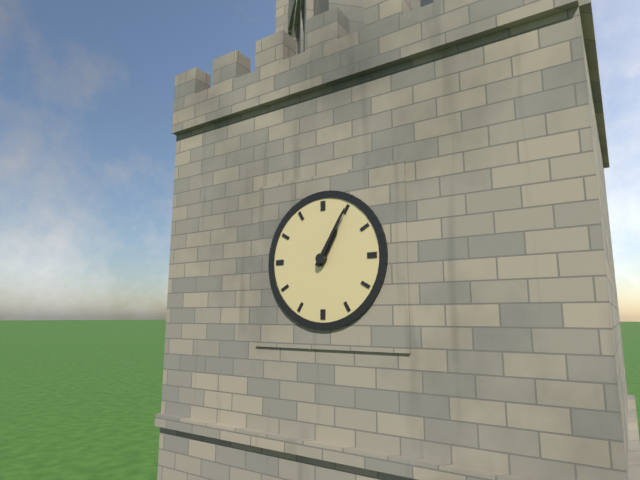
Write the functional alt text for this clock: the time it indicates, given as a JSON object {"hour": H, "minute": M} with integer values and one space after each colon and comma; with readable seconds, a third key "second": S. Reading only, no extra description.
{"hour": 1, "minute": 5}
